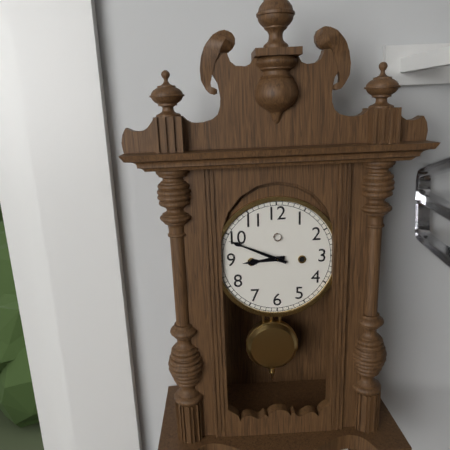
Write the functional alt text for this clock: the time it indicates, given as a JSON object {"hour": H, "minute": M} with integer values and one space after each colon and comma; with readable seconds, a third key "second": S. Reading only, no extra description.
{"hour": 8, "minute": 49}
